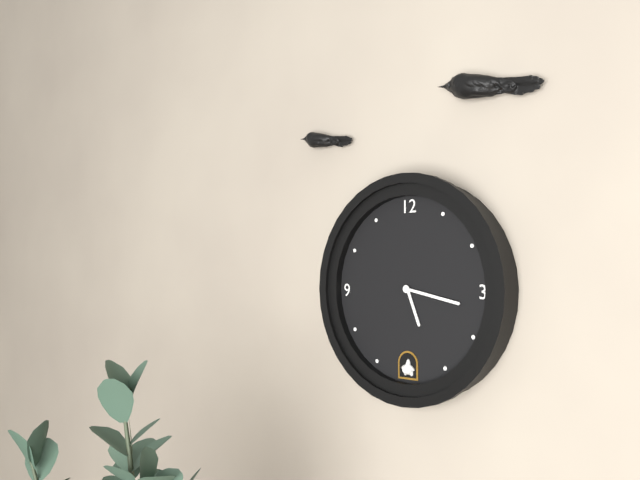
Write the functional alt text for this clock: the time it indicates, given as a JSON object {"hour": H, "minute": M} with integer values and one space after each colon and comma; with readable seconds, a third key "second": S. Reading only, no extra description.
{"hour": 5, "minute": 17}
